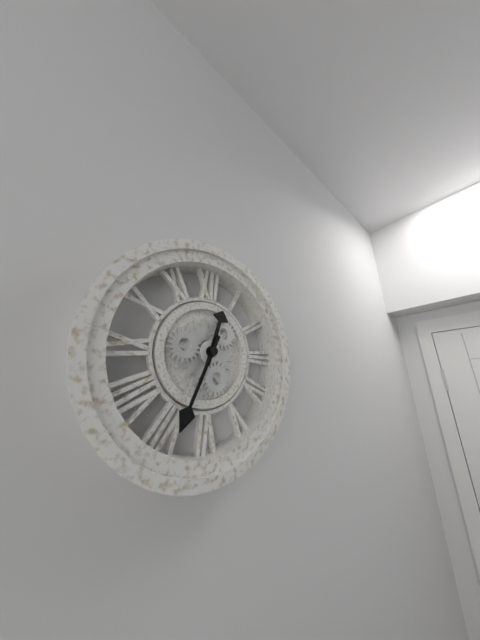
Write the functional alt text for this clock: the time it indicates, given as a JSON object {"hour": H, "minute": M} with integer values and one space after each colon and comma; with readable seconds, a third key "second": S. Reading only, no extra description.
{"hour": 12, "minute": 34}
